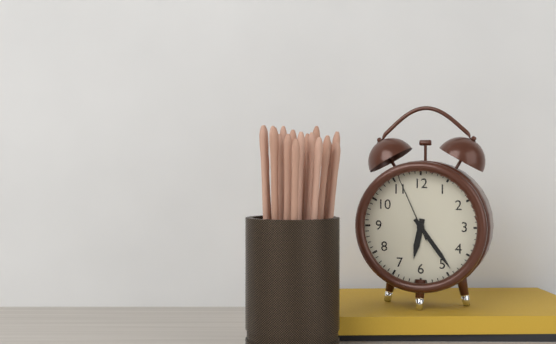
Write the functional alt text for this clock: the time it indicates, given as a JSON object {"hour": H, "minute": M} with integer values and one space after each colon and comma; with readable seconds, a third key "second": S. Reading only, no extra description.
{"hour": 6, "minute": 24, "second": 56}
